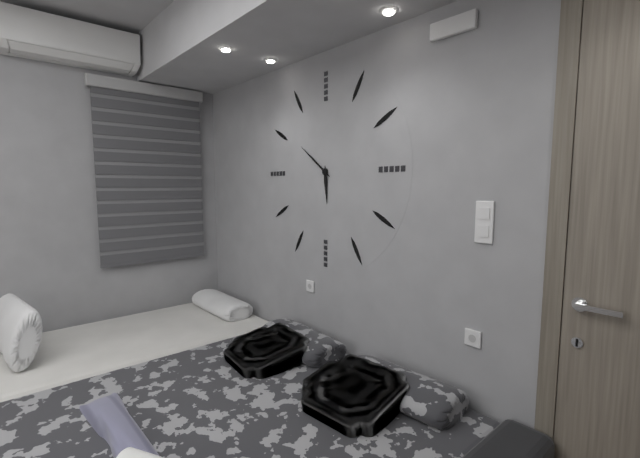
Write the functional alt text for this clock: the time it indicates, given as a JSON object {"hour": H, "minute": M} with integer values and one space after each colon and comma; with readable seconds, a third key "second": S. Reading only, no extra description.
{"hour": 5, "minute": 51}
